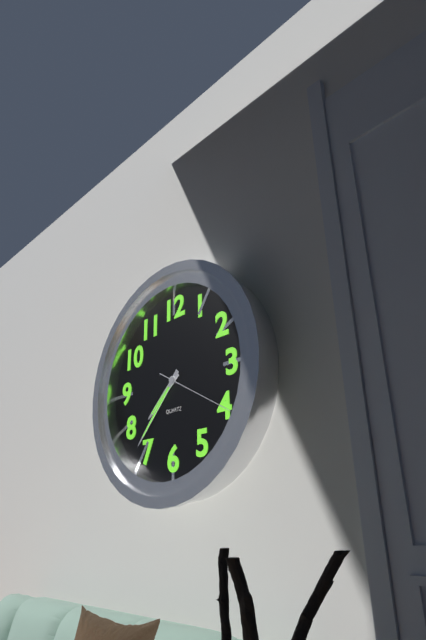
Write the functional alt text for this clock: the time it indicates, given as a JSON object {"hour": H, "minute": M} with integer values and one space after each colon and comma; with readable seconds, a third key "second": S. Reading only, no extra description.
{"hour": 7, "minute": 37, "second": 20}
